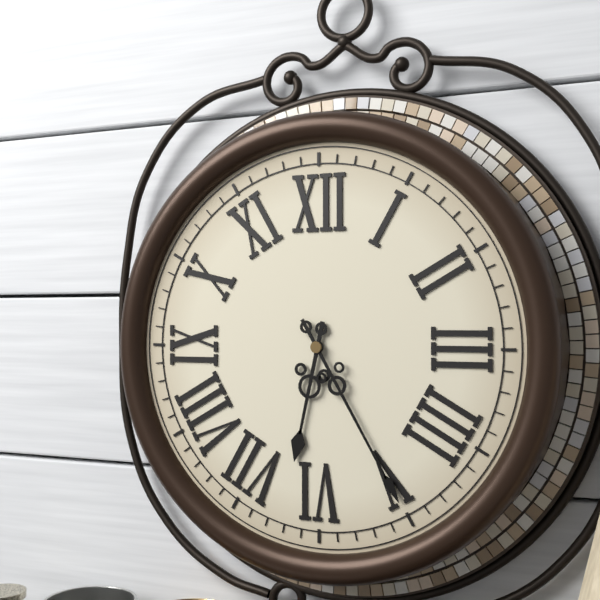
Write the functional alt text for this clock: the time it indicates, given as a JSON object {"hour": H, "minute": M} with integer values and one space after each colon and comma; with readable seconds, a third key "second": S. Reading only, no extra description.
{"hour": 6, "minute": 25}
